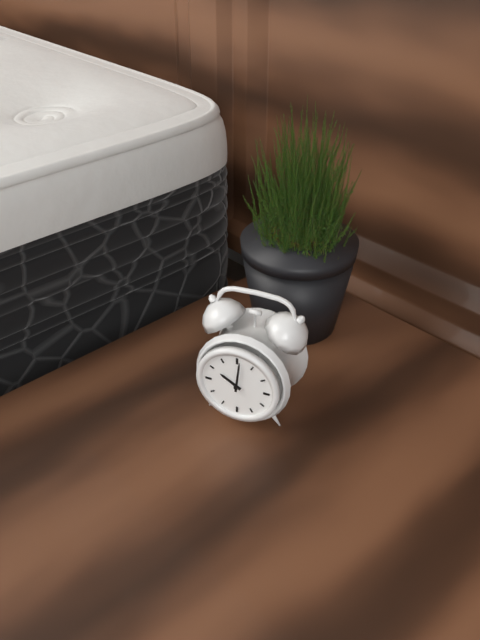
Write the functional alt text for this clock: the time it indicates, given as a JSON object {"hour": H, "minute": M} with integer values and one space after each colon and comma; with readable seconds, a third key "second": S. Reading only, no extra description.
{"hour": 10, "minute": 1}
